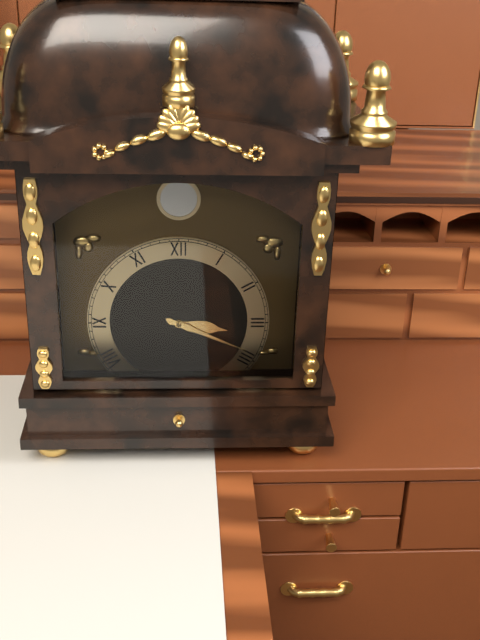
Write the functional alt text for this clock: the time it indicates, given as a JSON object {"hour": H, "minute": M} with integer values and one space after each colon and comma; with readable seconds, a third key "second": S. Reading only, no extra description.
{"hour": 3, "minute": 19}
